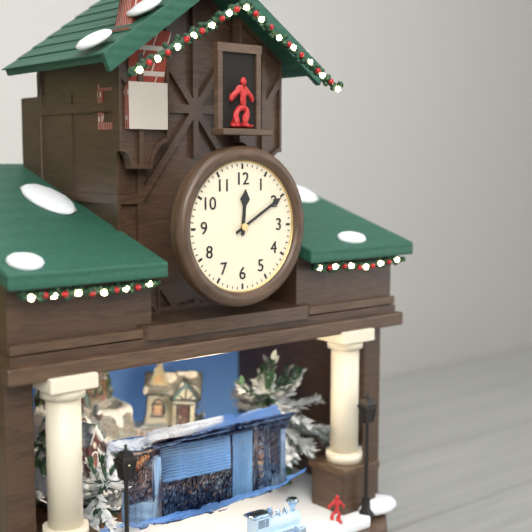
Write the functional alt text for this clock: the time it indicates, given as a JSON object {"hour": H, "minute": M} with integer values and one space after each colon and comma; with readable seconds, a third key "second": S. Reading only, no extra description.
{"hour": 12, "minute": 10}
